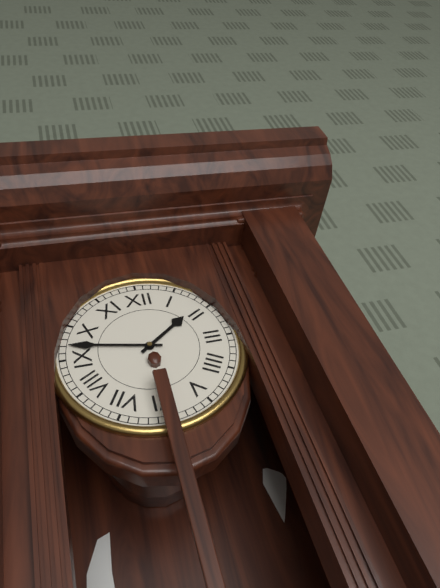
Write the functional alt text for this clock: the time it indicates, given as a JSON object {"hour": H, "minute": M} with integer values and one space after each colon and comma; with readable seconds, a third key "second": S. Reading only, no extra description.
{"hour": 1, "minute": 47}
